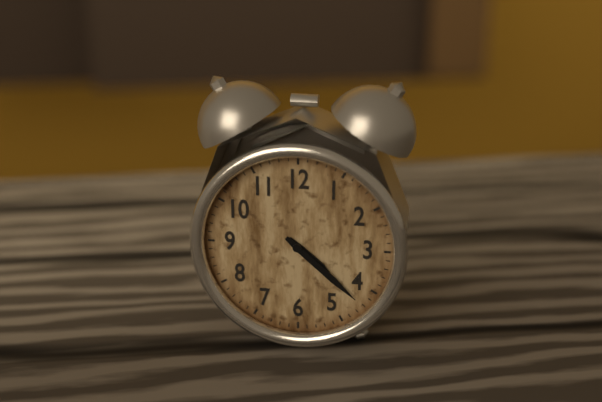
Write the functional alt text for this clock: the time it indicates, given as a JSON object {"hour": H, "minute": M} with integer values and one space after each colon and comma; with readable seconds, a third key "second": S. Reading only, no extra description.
{"hour": 4, "minute": 22}
